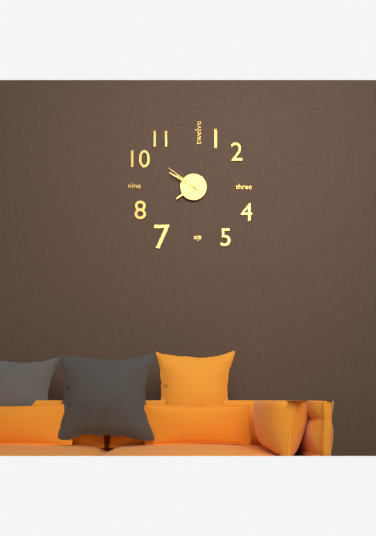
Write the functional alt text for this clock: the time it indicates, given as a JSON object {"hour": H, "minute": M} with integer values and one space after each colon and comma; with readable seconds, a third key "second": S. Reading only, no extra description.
{"hour": 7, "minute": 50}
